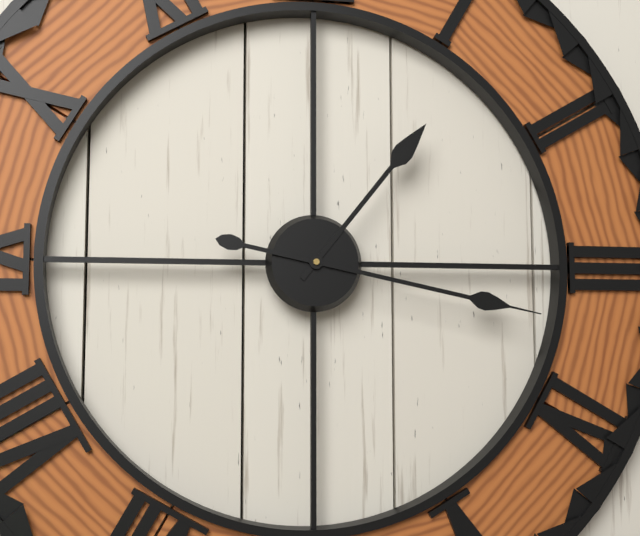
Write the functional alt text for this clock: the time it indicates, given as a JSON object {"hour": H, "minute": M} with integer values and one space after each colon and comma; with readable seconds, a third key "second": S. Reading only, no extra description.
{"hour": 1, "minute": 17}
